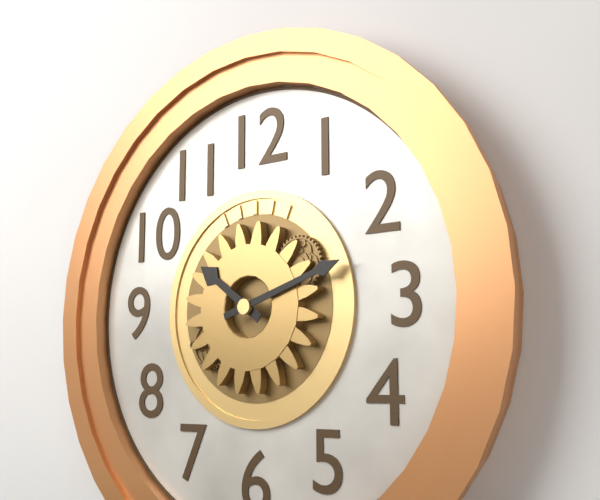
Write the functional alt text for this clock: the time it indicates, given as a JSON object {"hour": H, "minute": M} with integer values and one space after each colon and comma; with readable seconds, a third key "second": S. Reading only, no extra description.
{"hour": 10, "minute": 12}
